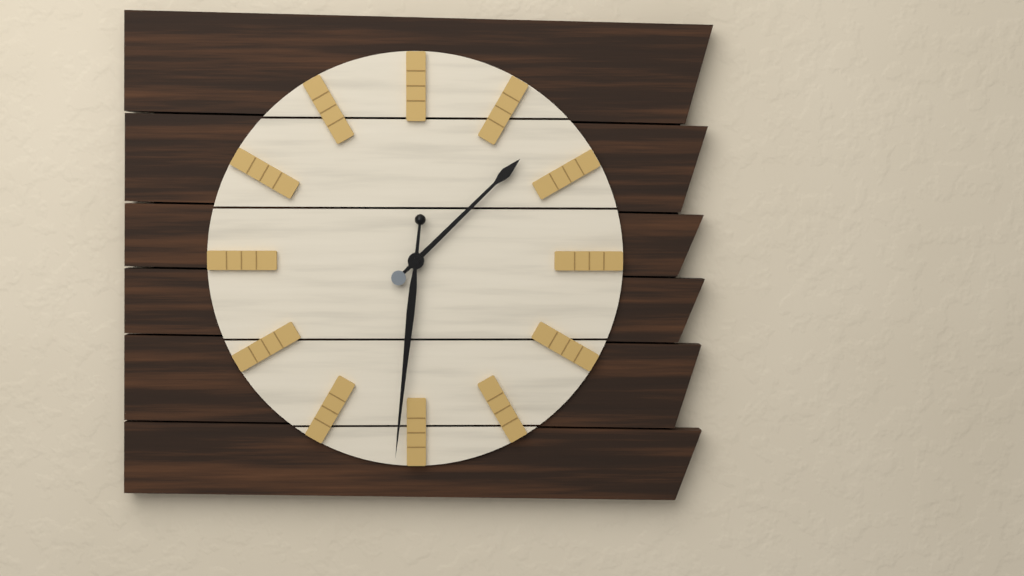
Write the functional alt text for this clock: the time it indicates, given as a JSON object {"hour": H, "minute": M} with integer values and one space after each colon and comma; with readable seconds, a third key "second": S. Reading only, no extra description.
{"hour": 1, "minute": 31}
